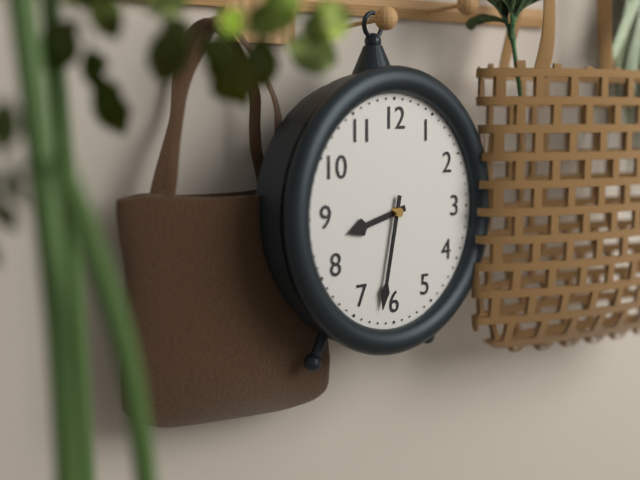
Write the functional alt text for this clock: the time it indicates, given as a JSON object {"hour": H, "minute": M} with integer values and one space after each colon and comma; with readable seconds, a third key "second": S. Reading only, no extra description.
{"hour": 8, "minute": 32}
